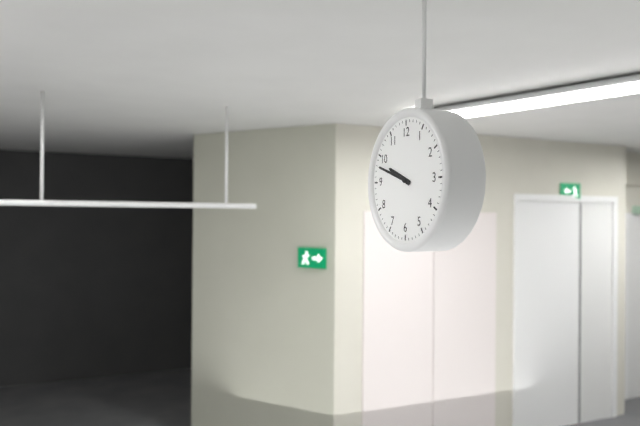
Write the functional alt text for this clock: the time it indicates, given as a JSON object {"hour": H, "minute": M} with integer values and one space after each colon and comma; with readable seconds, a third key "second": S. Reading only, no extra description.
{"hour": 9, "minute": 48}
